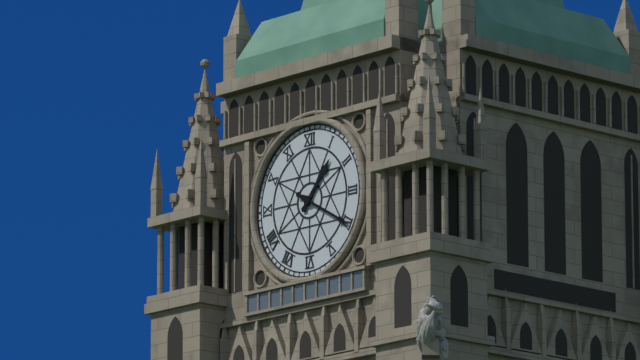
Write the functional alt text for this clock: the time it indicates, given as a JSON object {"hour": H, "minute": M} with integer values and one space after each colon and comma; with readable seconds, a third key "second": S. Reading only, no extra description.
{"hour": 1, "minute": 20}
